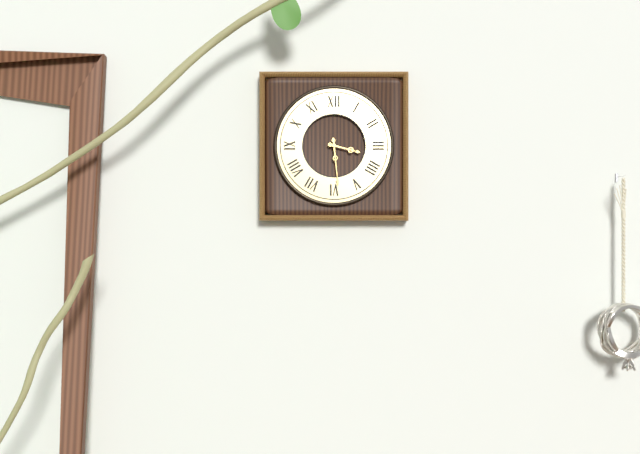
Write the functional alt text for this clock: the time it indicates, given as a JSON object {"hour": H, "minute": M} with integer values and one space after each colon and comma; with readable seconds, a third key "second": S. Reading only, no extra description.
{"hour": 3, "minute": 29}
